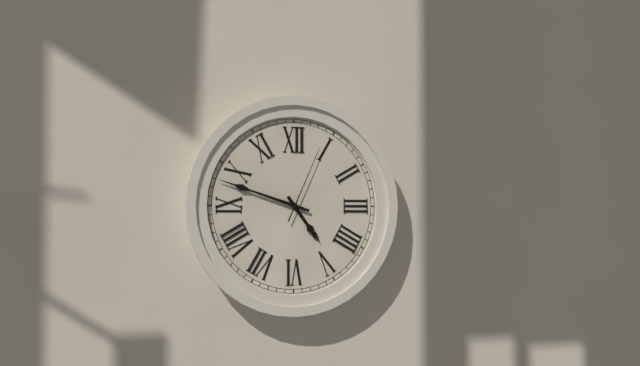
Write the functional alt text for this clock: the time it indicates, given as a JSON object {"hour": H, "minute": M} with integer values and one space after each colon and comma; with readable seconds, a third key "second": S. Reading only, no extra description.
{"hour": 4, "minute": 48, "second": 4}
